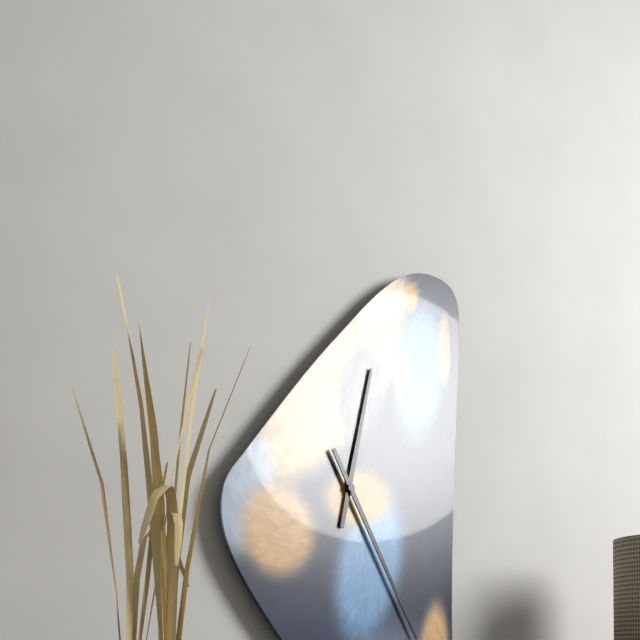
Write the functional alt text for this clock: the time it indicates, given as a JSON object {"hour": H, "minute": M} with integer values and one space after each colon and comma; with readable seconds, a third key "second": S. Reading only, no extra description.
{"hour": 12, "minute": 25}
